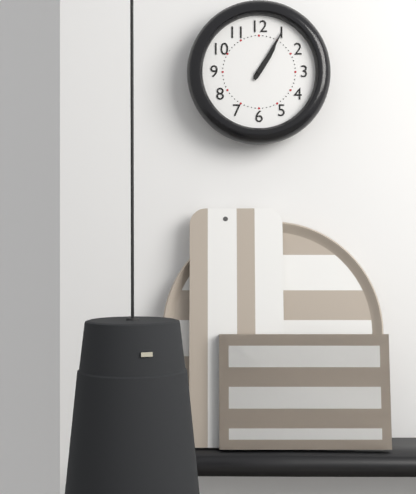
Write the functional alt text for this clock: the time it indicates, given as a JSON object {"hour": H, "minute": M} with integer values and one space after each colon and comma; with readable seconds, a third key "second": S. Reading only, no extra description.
{"hour": 1, "minute": 5}
